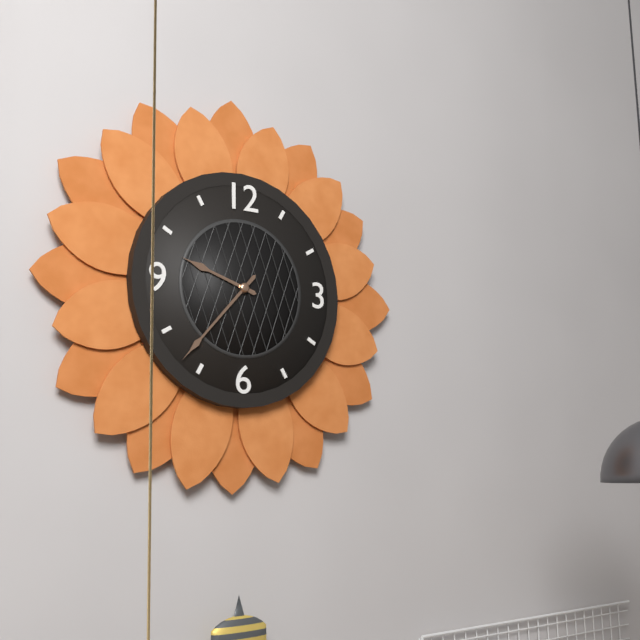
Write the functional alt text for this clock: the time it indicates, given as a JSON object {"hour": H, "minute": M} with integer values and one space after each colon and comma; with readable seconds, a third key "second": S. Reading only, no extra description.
{"hour": 9, "minute": 37}
